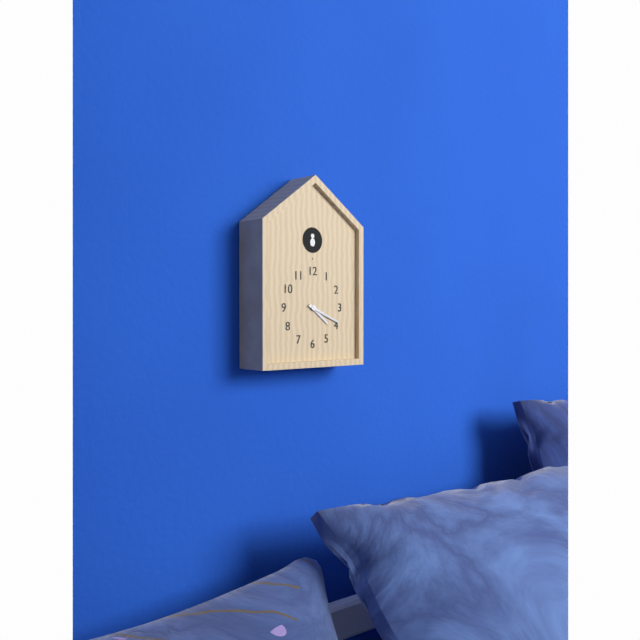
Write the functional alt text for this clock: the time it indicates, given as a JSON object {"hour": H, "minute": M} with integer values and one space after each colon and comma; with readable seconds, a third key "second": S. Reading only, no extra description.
{"hour": 4, "minute": 19}
